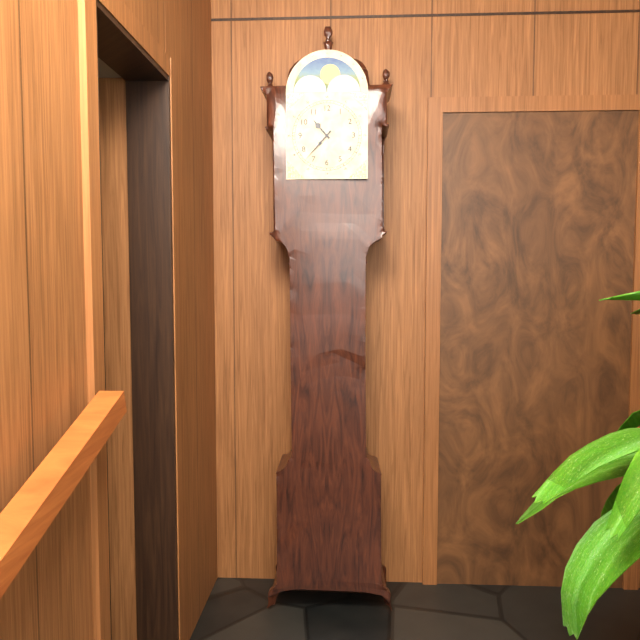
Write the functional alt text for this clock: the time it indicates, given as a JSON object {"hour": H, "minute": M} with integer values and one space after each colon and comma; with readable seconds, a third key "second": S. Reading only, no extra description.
{"hour": 10, "minute": 37}
